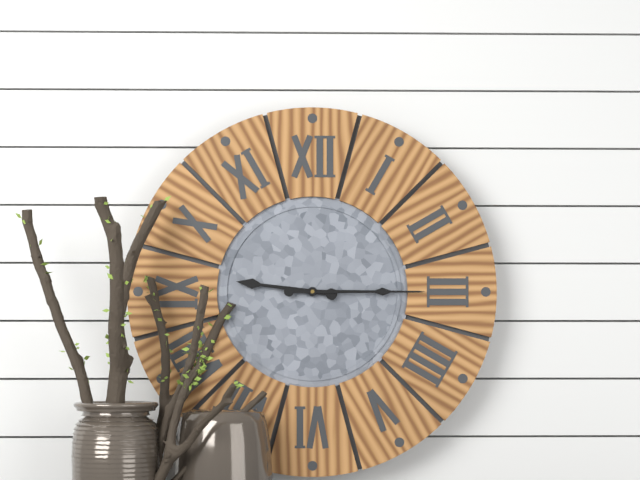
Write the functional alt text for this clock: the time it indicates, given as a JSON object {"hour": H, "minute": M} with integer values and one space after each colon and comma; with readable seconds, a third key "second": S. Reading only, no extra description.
{"hour": 9, "minute": 15}
